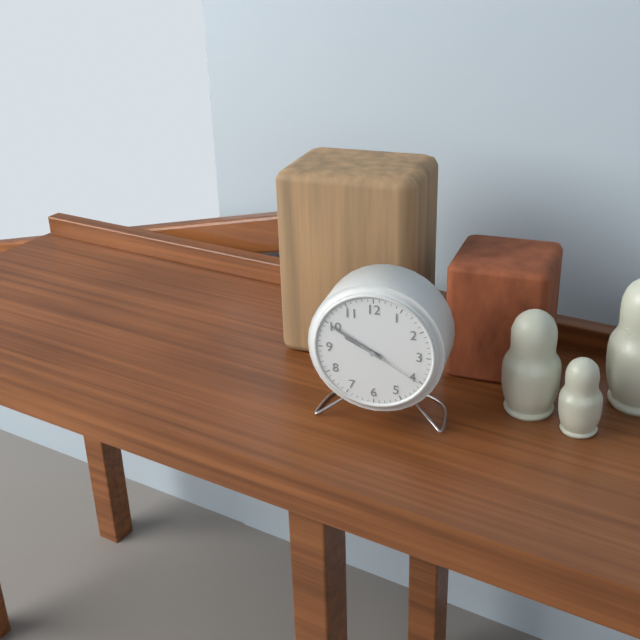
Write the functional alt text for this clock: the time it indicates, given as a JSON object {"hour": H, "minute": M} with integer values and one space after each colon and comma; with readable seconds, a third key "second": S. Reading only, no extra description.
{"hour": 9, "minute": 50, "second": 20}
